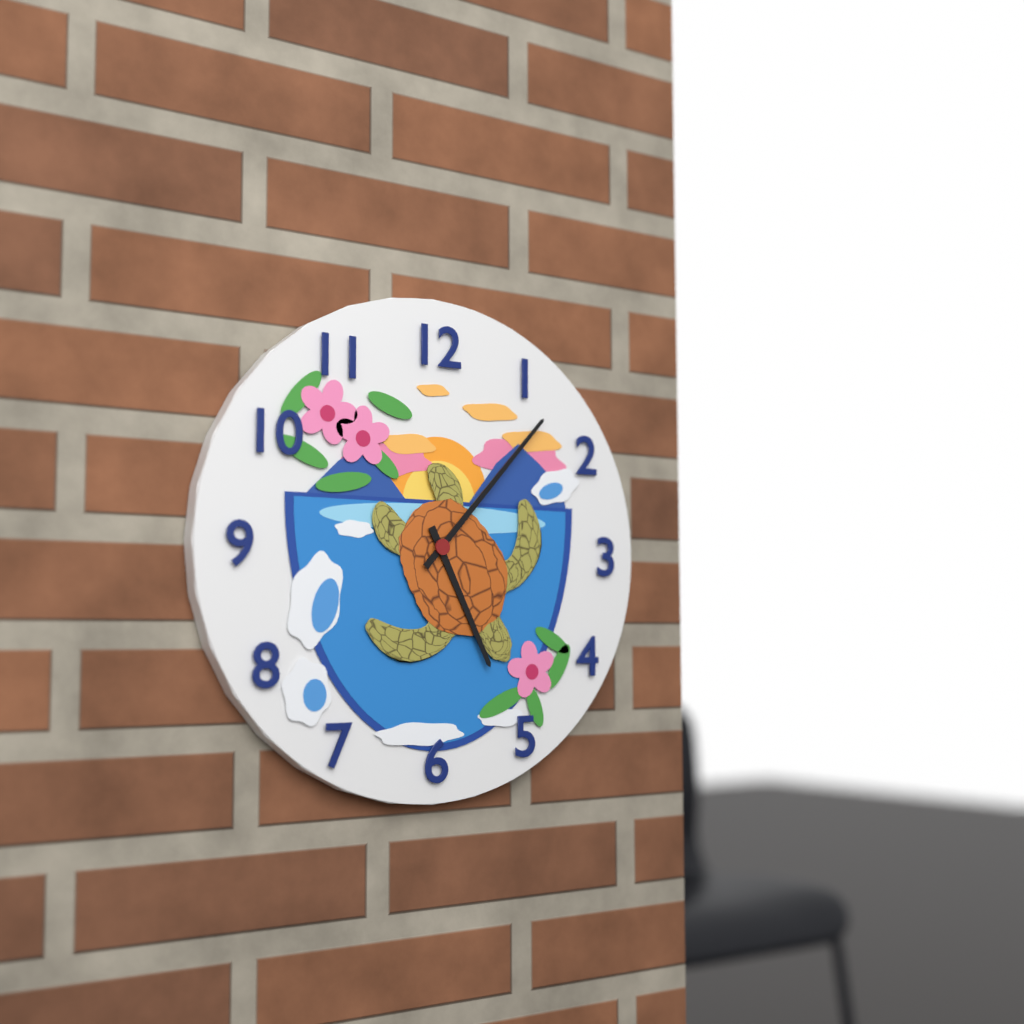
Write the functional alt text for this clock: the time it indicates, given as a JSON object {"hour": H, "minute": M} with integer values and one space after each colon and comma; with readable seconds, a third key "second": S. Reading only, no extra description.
{"hour": 5, "minute": 7}
